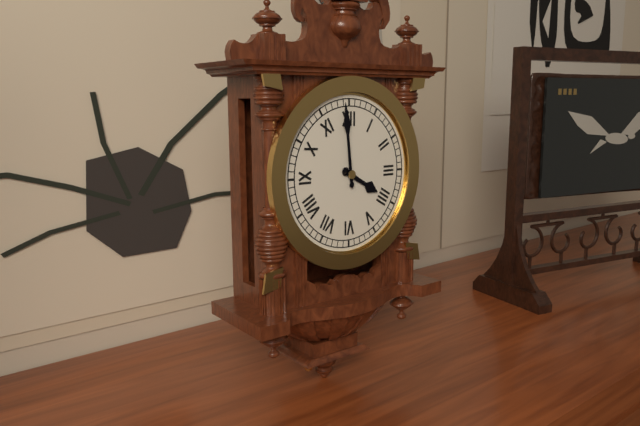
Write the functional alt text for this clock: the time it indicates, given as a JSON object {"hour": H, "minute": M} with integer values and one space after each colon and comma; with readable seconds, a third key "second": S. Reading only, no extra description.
{"hour": 3, "minute": 59}
